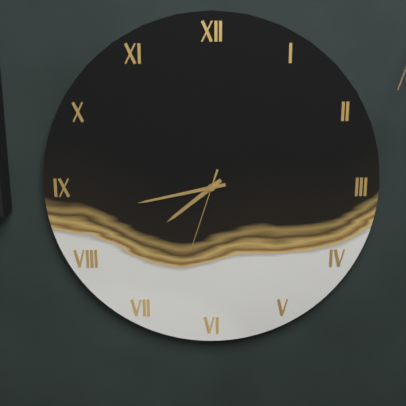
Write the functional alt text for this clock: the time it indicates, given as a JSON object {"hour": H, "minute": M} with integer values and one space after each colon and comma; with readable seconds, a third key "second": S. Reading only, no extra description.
{"hour": 7, "minute": 43, "second": 33}
